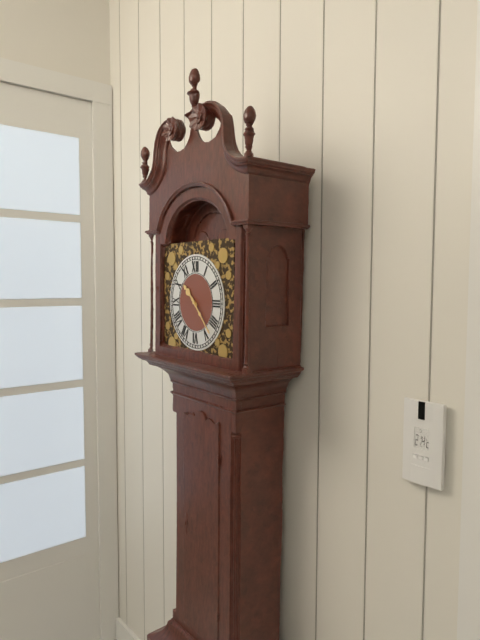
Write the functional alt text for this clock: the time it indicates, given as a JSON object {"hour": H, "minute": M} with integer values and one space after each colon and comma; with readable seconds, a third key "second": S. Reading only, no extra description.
{"hour": 10, "minute": 23}
